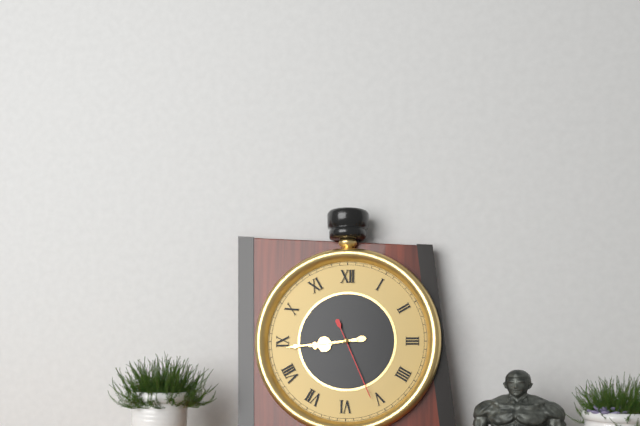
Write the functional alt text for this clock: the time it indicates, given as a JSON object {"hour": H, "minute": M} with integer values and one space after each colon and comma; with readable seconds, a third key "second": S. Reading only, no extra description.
{"hour": 8, "minute": 44, "second": 26}
